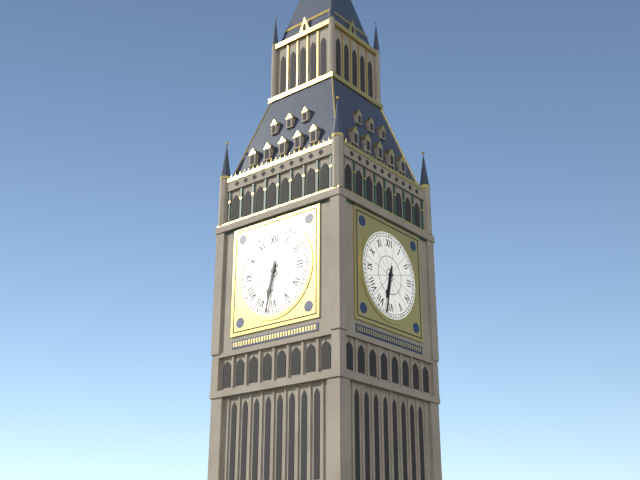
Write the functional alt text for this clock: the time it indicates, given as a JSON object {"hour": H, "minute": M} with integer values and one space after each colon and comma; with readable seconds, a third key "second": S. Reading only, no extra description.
{"hour": 6, "minute": 32}
